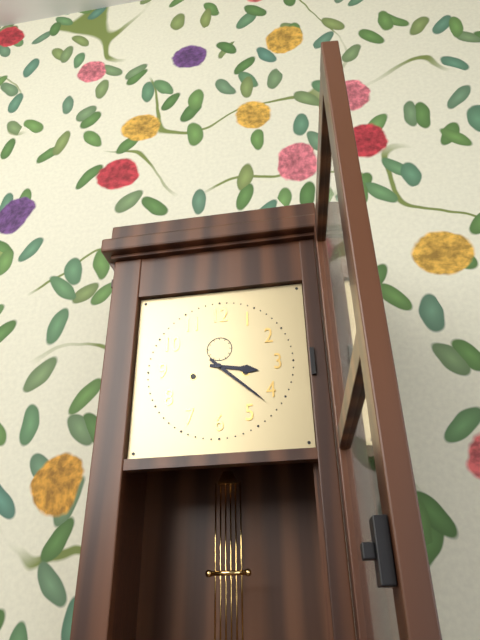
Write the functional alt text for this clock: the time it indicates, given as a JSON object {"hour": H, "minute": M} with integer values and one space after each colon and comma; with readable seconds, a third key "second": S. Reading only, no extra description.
{"hour": 3, "minute": 22}
